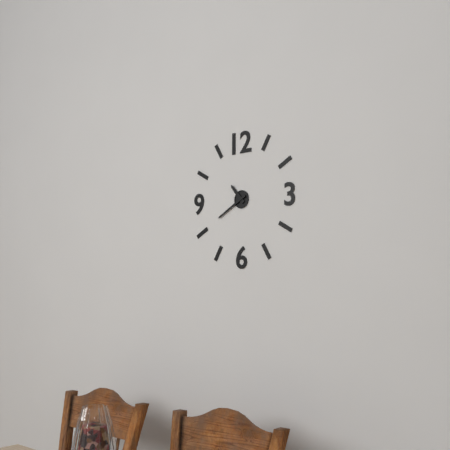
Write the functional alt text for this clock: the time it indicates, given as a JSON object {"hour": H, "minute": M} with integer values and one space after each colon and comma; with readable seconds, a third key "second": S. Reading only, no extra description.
{"hour": 10, "minute": 40}
